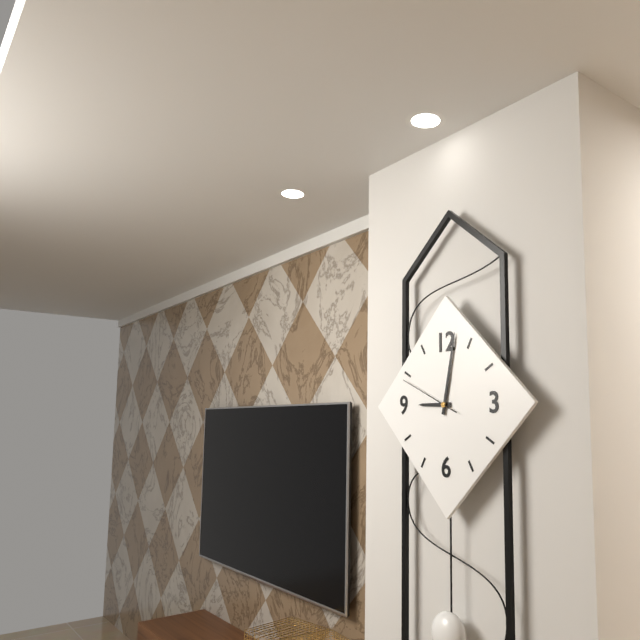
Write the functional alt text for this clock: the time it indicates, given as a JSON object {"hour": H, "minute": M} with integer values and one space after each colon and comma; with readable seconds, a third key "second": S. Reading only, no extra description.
{"hour": 9, "minute": 2, "second": 49}
